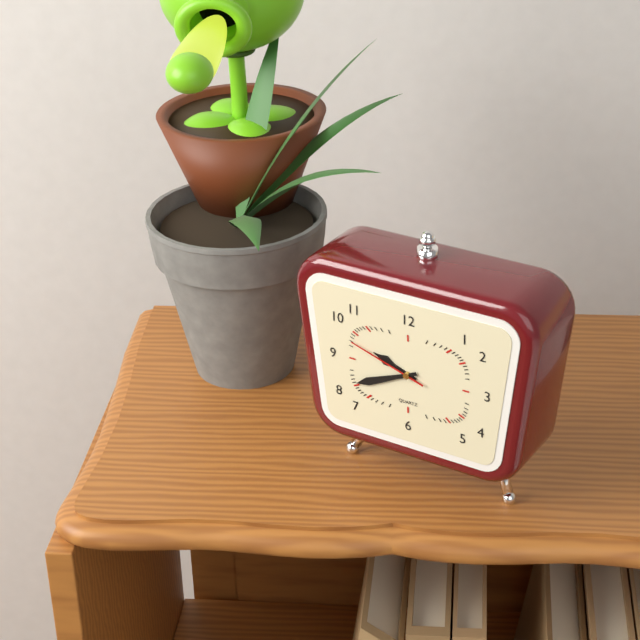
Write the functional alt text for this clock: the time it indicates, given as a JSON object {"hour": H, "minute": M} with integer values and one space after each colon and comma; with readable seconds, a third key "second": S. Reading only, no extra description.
{"hour": 9, "minute": 41, "second": 48}
